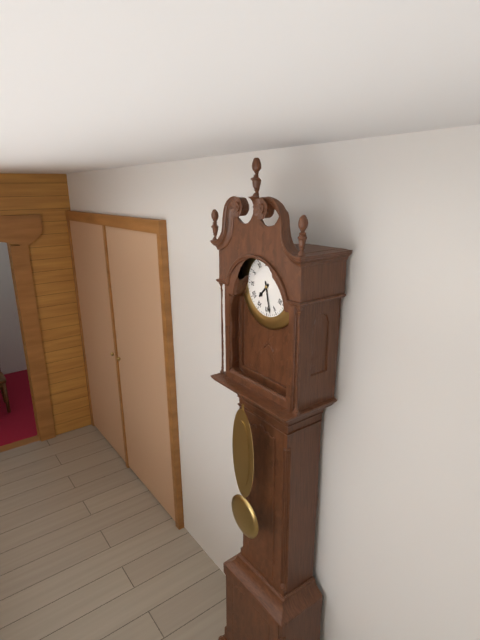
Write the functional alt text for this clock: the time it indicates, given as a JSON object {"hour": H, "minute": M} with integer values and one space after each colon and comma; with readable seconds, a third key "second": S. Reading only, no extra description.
{"hour": 7, "minute": 28}
